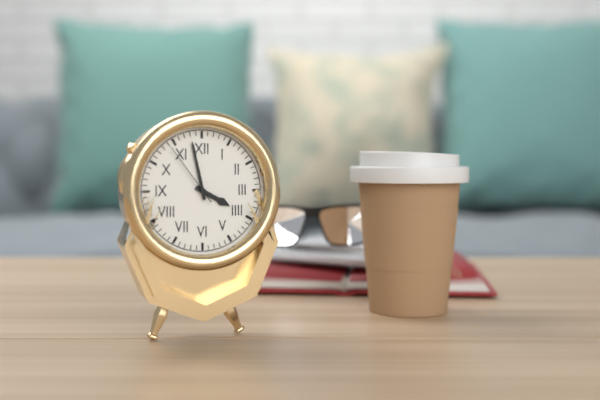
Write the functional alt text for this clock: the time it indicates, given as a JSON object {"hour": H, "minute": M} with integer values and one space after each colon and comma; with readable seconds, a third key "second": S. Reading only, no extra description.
{"hour": 3, "minute": 58, "second": 54}
